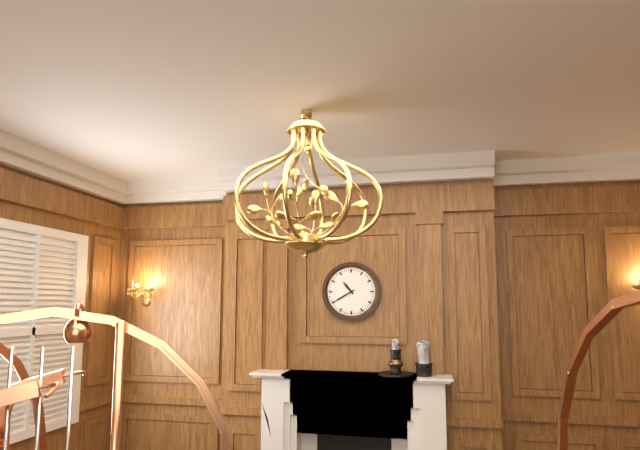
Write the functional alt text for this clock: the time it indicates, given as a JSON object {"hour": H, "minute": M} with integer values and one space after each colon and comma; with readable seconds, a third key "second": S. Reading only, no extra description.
{"hour": 10, "minute": 40}
